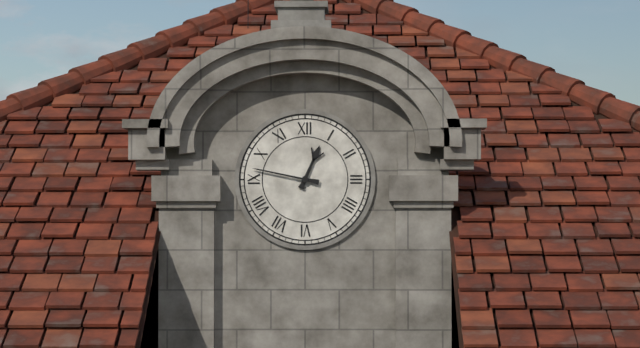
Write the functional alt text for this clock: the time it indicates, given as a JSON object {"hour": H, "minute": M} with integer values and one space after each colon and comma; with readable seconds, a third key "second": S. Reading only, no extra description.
{"hour": 12, "minute": 47}
